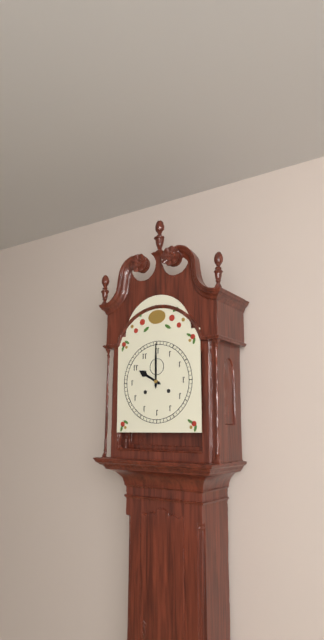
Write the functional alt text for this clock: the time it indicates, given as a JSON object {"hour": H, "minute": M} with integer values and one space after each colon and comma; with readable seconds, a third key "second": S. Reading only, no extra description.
{"hour": 10, "minute": 0}
